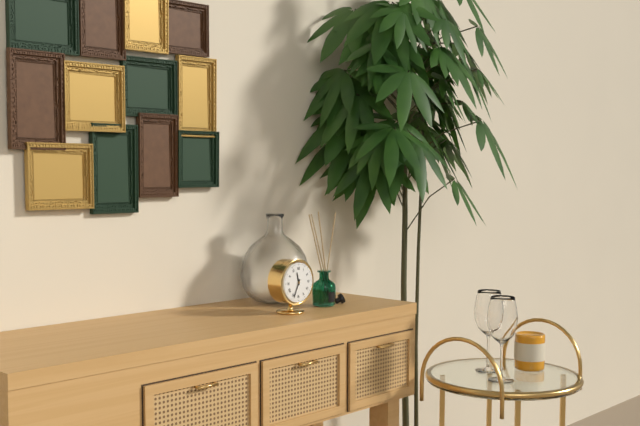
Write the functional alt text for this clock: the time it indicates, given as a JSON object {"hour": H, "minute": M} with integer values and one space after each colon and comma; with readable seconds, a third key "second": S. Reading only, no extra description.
{"hour": 11, "minute": 34}
